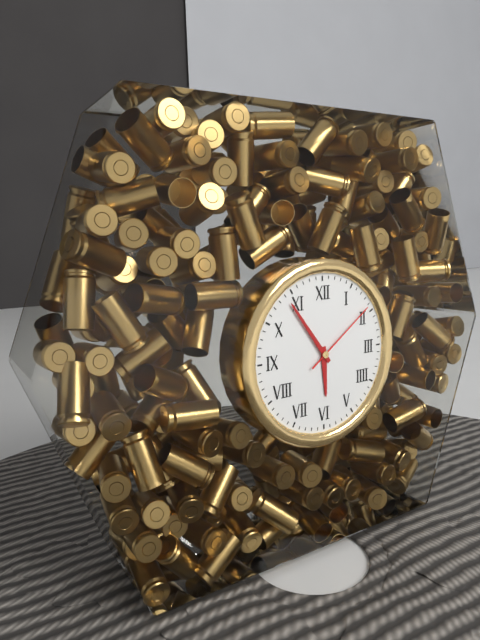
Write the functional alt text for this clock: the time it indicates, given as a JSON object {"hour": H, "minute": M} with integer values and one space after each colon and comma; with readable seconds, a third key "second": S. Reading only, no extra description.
{"hour": 5, "minute": 54, "second": 9}
